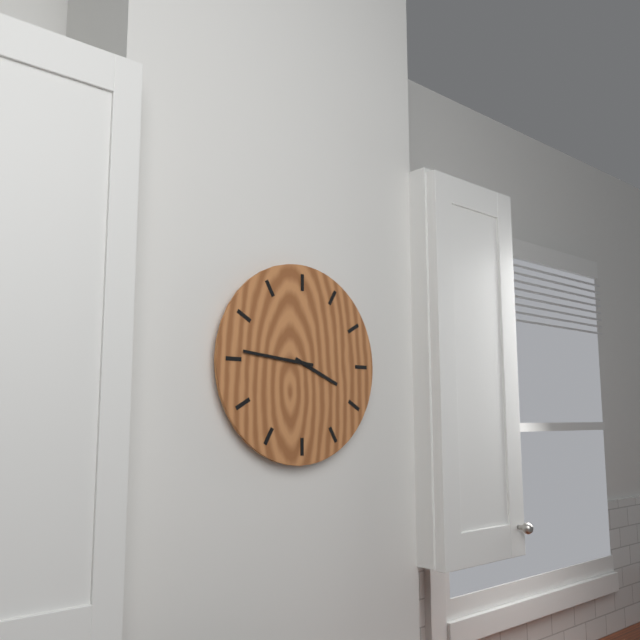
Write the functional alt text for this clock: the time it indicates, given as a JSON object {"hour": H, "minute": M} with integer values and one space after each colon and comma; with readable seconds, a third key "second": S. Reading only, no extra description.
{"hour": 3, "minute": 46}
